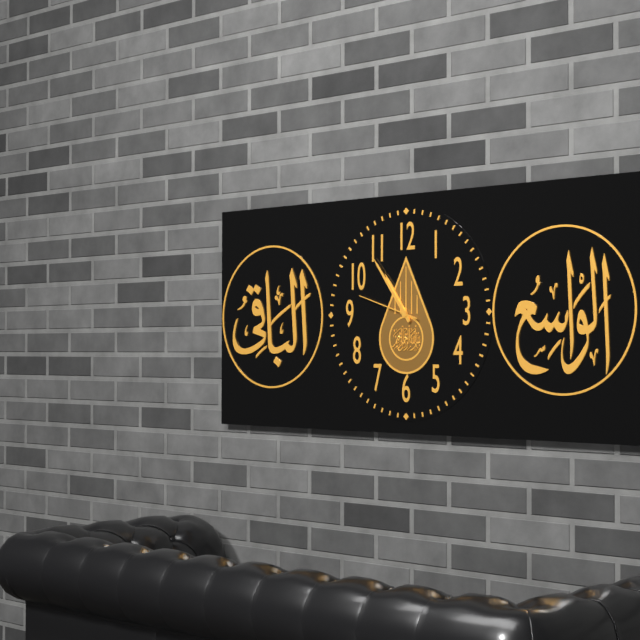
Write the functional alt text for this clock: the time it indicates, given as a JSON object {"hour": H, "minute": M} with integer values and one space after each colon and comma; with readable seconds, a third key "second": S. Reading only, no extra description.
{"hour": 10, "minute": 54, "second": 48}
